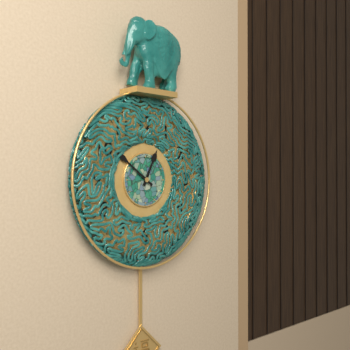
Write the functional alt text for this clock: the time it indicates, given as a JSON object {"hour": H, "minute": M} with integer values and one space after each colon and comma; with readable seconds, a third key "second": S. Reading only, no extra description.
{"hour": 12, "minute": 51}
